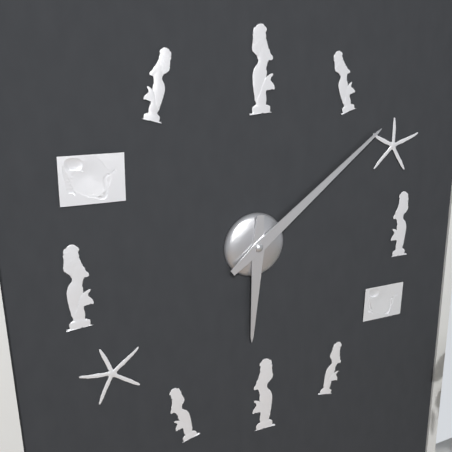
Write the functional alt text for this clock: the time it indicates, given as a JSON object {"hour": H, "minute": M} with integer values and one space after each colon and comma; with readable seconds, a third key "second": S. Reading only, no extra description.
{"hour": 6, "minute": 9}
